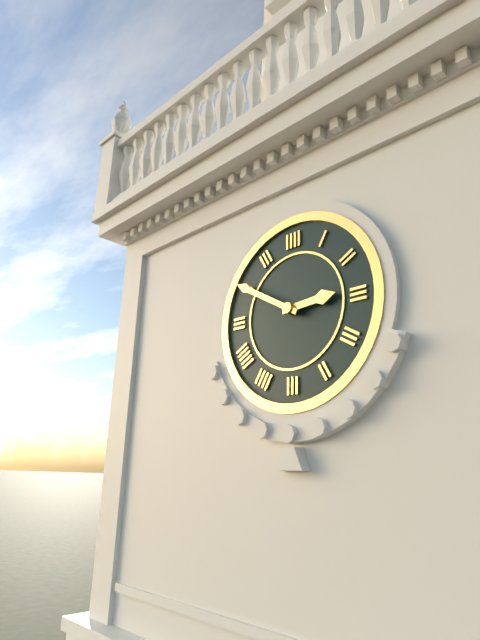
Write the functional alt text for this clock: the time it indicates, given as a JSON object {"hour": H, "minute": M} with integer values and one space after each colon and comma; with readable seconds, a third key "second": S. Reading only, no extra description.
{"hour": 2, "minute": 50}
